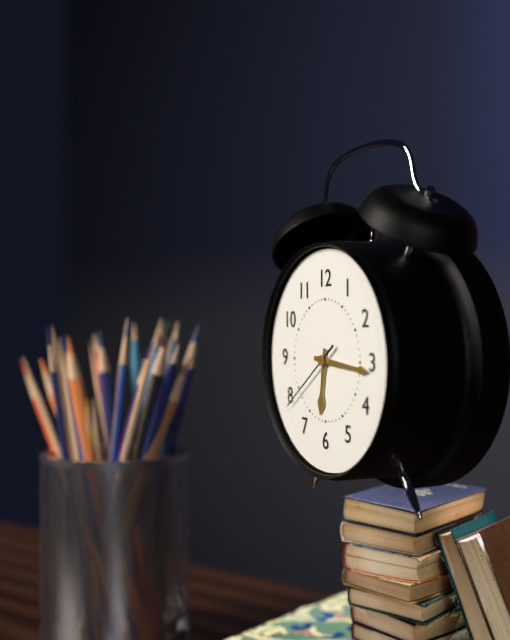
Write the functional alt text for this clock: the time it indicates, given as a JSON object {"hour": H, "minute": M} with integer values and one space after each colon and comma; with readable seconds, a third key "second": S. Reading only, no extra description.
{"hour": 6, "minute": 16, "second": 39}
